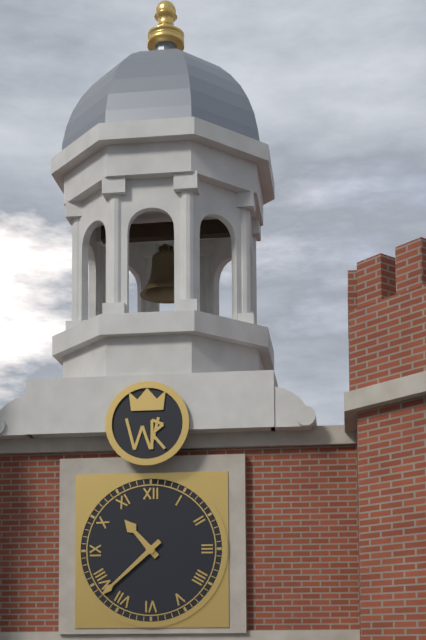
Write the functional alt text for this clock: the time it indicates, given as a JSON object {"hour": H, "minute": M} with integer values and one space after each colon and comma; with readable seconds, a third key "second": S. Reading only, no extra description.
{"hour": 10, "minute": 38}
